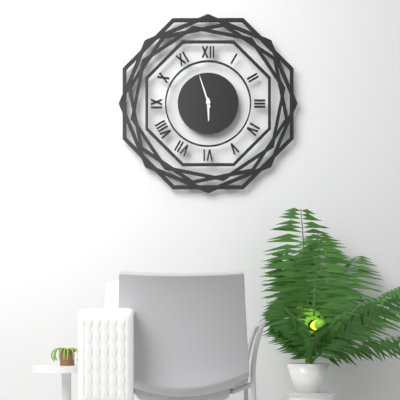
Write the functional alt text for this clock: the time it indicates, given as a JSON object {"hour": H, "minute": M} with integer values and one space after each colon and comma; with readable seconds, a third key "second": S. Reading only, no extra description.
{"hour": 5, "minute": 57}
